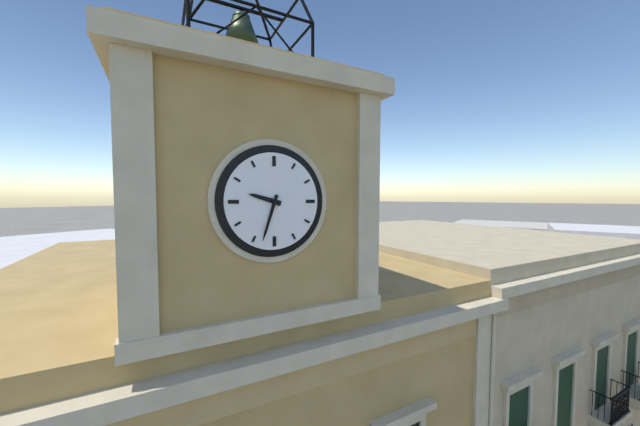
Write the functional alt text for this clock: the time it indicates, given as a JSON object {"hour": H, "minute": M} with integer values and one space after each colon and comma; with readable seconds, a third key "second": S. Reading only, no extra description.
{"hour": 9, "minute": 33}
